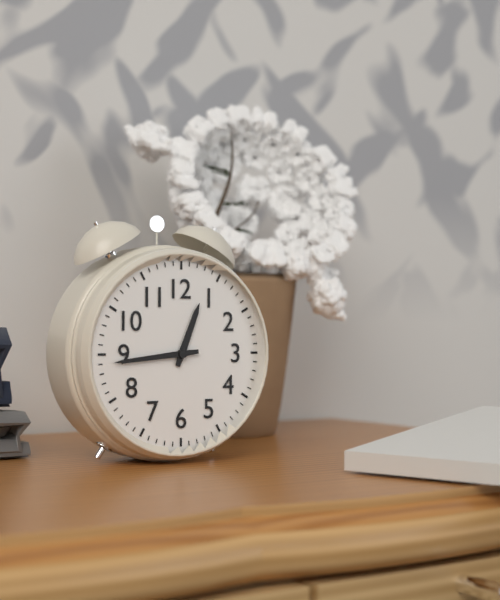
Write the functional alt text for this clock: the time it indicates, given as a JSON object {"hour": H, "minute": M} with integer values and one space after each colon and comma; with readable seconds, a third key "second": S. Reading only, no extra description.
{"hour": 12, "minute": 44}
